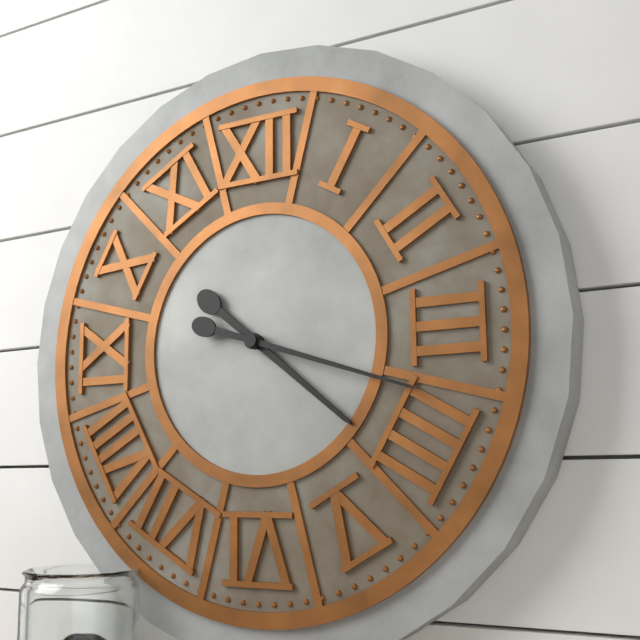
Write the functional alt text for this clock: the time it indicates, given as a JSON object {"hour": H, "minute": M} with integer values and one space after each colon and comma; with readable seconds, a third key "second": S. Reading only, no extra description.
{"hour": 4, "minute": 18}
